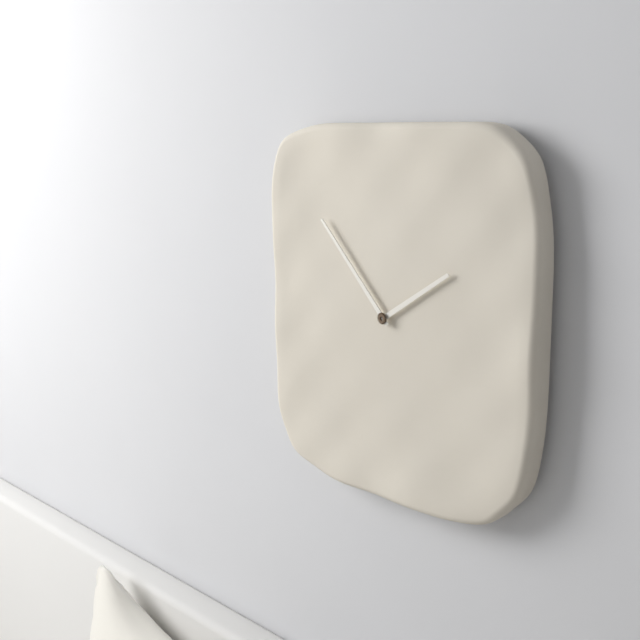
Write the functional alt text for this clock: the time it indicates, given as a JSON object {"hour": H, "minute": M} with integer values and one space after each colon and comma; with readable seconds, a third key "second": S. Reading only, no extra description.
{"hour": 1, "minute": 53}
